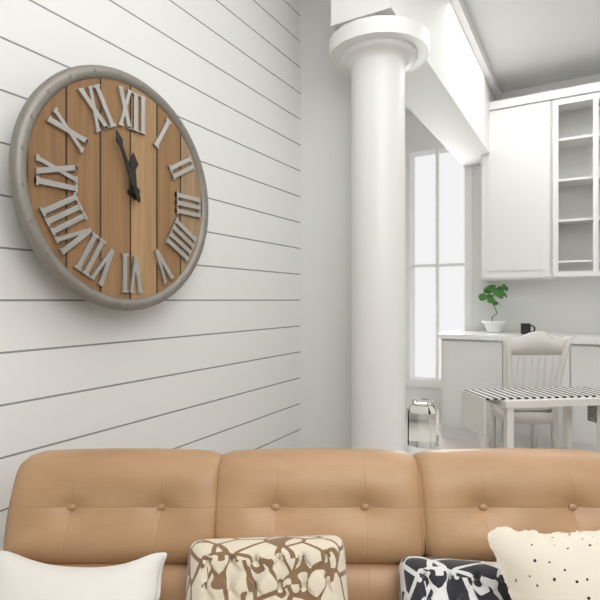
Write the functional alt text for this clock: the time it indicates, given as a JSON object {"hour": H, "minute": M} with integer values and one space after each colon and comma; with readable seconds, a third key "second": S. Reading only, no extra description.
{"hour": 11, "minute": 56}
